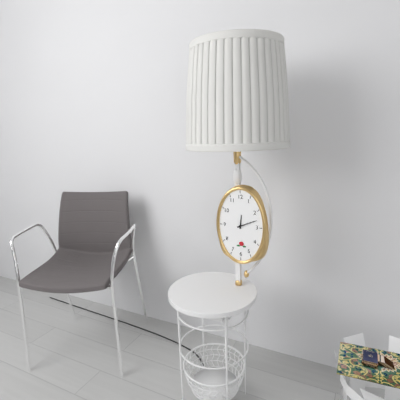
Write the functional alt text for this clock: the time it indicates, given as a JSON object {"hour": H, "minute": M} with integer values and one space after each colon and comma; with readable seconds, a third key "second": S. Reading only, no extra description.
{"hour": 12, "minute": 11}
